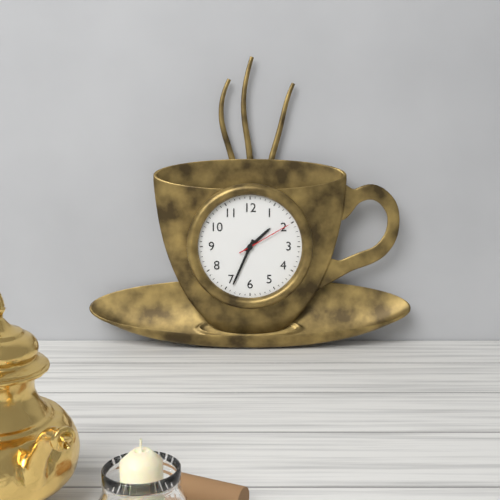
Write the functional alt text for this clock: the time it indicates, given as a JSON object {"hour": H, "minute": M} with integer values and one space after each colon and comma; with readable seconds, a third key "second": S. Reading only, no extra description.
{"hour": 1, "minute": 34, "second": 10}
